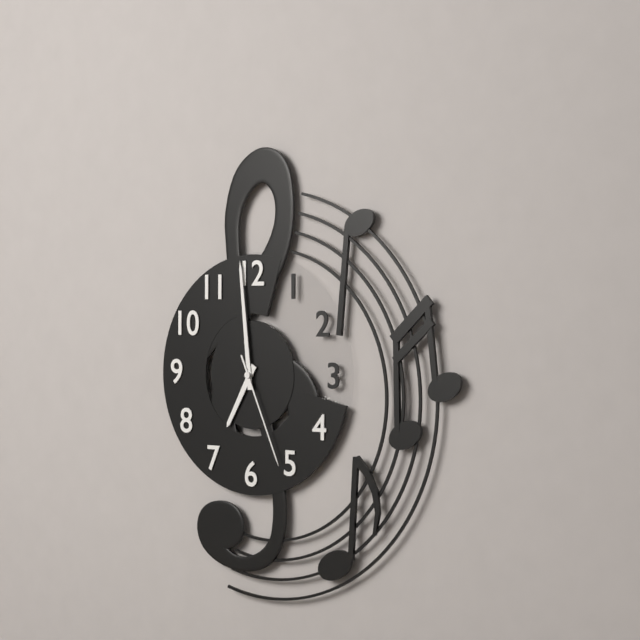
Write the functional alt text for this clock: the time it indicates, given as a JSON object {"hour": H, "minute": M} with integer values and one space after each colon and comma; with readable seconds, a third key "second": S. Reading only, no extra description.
{"hour": 6, "minute": 59, "second": 26}
